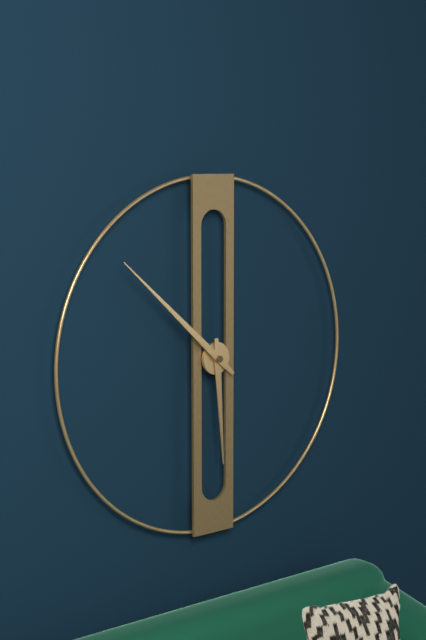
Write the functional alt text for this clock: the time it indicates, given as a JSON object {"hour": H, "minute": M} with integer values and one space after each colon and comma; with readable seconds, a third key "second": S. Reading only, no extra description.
{"hour": 5, "minute": 52}
